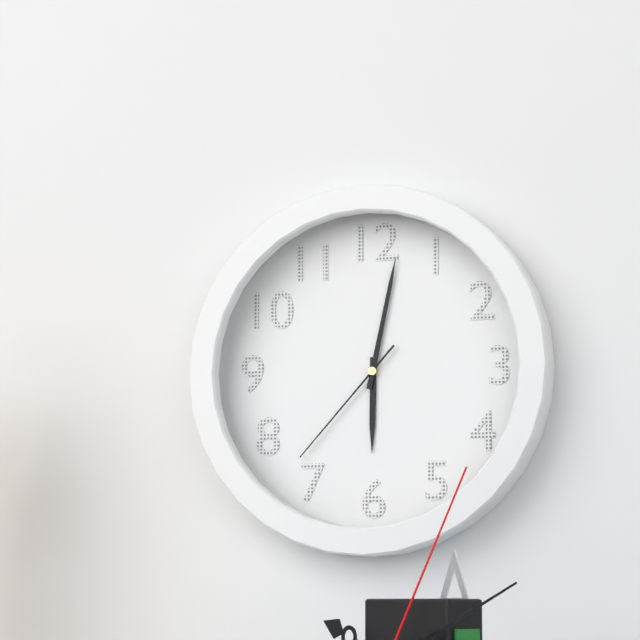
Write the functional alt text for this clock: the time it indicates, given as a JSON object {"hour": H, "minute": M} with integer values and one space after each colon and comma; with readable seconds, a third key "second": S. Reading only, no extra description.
{"hour": 6, "minute": 2, "second": 37}
